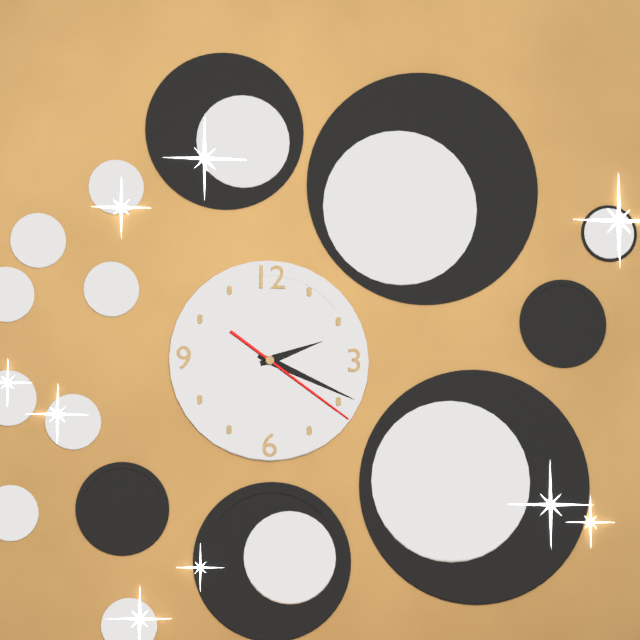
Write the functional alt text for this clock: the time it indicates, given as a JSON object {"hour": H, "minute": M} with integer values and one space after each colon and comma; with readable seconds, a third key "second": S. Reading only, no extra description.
{"hour": 2, "minute": 19, "second": 21}
